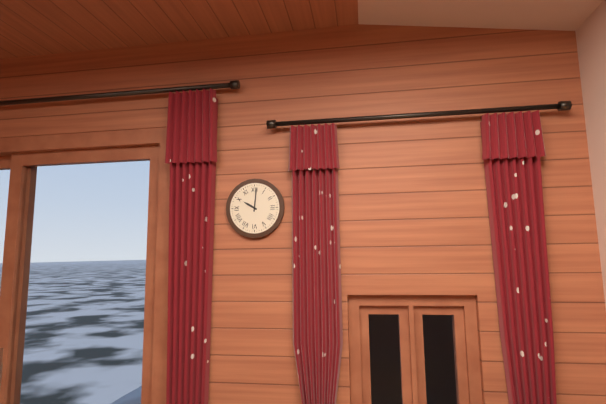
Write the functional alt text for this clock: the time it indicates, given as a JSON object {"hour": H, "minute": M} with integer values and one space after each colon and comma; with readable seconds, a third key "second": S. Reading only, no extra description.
{"hour": 10, "minute": 1}
